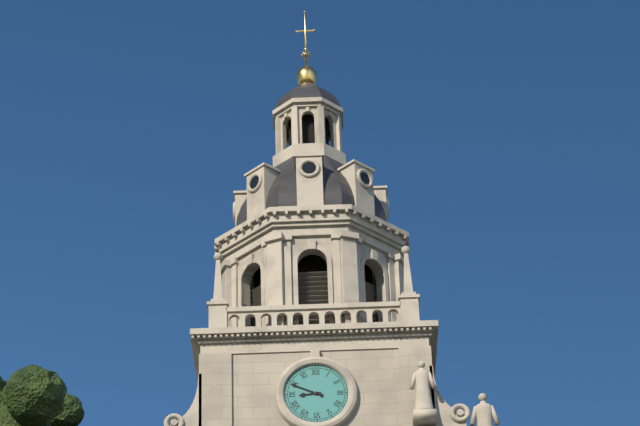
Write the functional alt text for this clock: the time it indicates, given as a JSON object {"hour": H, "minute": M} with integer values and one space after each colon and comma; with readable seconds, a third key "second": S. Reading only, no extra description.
{"hour": 8, "minute": 49}
